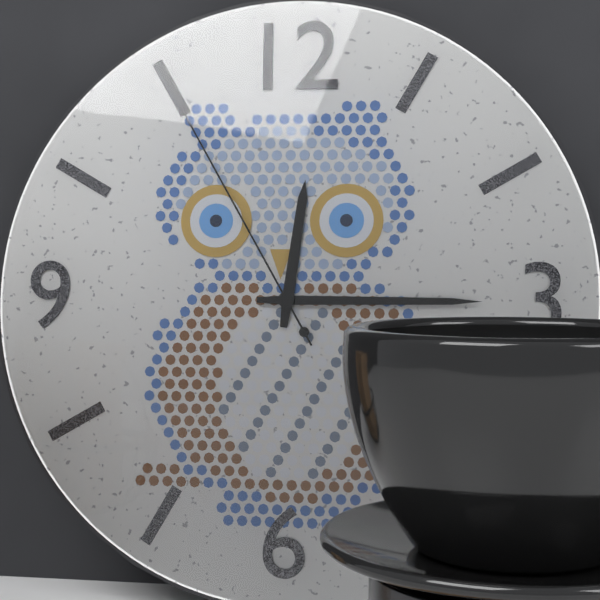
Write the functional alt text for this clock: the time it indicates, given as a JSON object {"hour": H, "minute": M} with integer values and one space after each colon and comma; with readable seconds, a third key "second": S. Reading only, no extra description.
{"hour": 12, "minute": 15, "second": 55}
